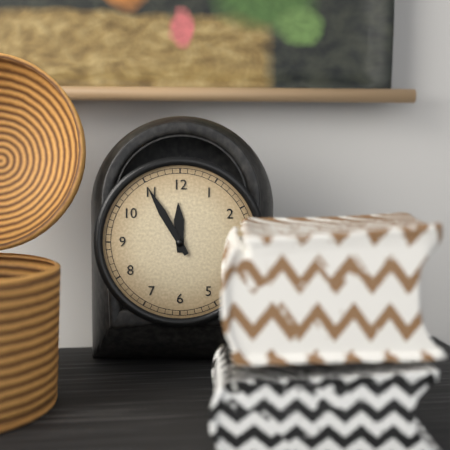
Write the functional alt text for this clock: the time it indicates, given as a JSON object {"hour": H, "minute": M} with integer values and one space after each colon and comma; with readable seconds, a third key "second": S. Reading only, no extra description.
{"hour": 11, "minute": 55}
